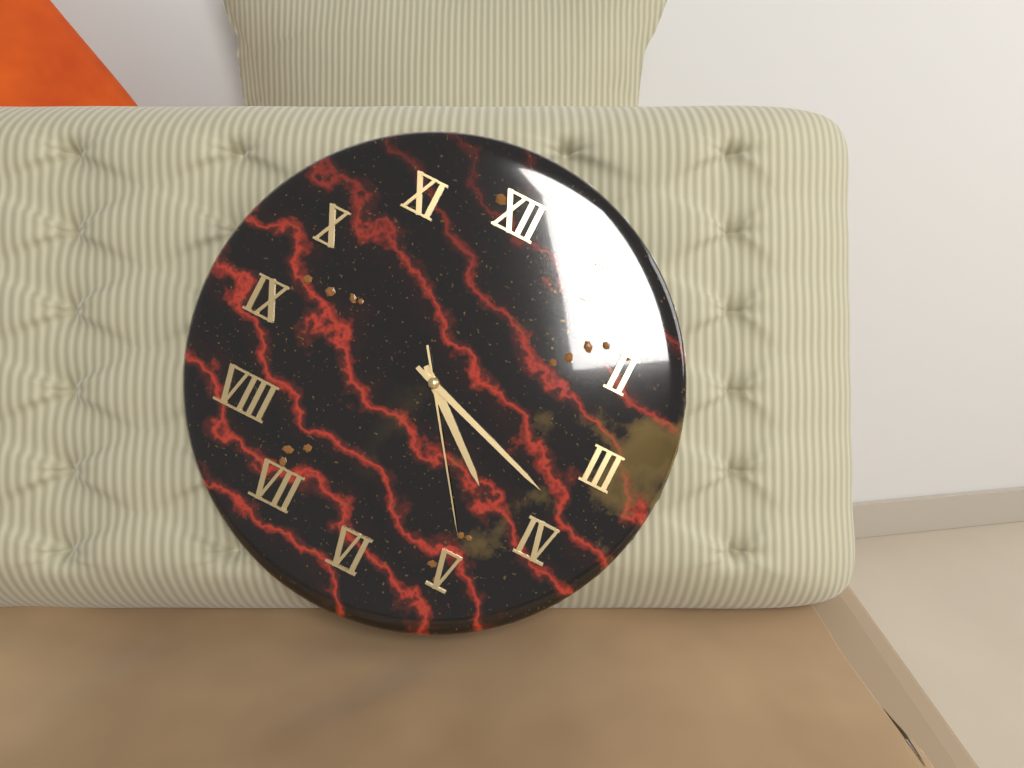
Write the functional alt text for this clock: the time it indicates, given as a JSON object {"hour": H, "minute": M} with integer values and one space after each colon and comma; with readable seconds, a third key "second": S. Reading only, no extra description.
{"hour": 4, "minute": 18, "second": 24}
